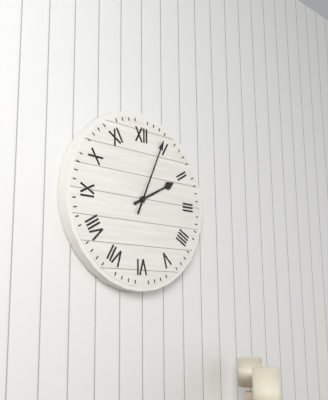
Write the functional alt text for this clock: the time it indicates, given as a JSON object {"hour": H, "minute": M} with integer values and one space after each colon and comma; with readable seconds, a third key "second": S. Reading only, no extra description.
{"hour": 2, "minute": 4}
